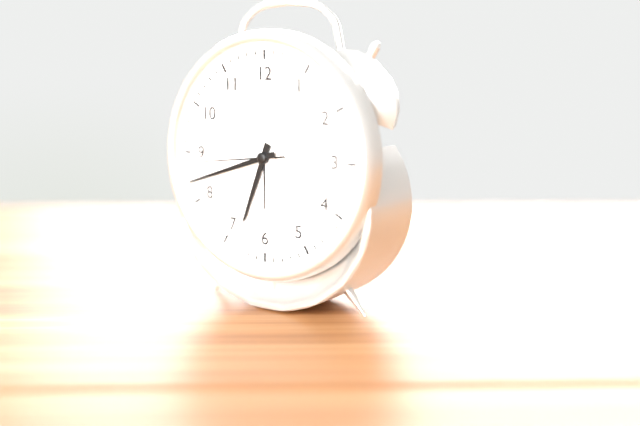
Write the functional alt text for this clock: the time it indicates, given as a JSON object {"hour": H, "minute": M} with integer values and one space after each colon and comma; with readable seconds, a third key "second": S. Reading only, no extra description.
{"hour": 6, "minute": 42, "second": 44}
